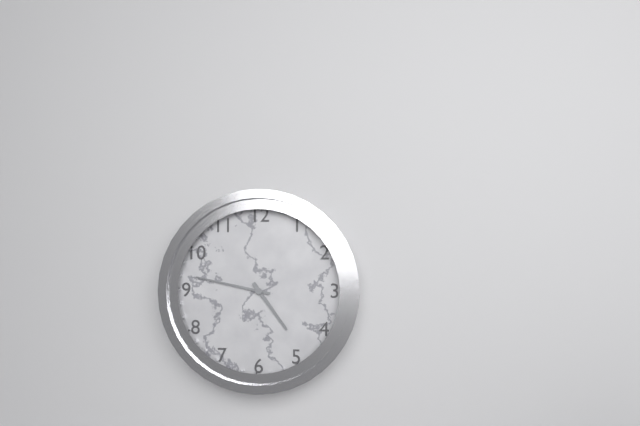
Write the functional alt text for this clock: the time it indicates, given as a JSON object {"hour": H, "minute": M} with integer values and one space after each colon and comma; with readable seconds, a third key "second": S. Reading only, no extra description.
{"hour": 4, "minute": 47}
